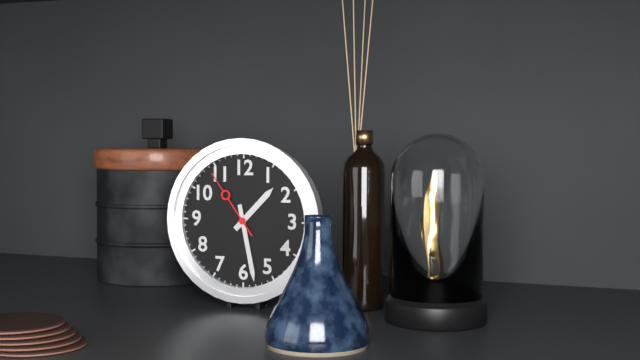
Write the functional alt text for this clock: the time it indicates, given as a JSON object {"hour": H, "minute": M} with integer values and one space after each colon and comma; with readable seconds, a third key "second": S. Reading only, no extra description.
{"hour": 1, "minute": 28, "second": 54}
